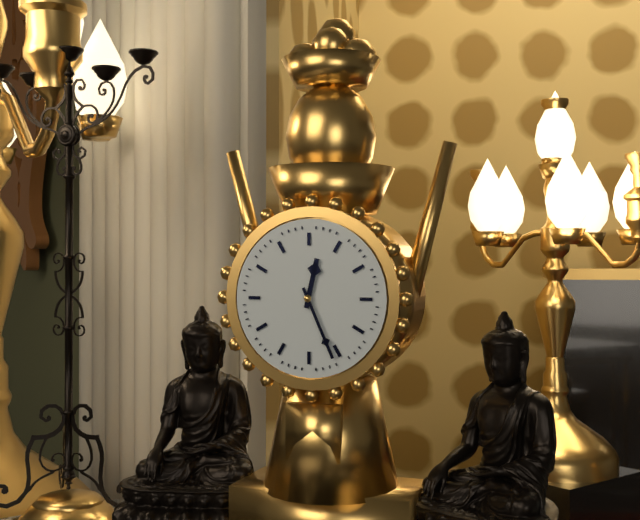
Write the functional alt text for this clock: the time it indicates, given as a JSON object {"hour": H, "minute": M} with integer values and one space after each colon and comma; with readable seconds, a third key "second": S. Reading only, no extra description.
{"hour": 12, "minute": 26}
